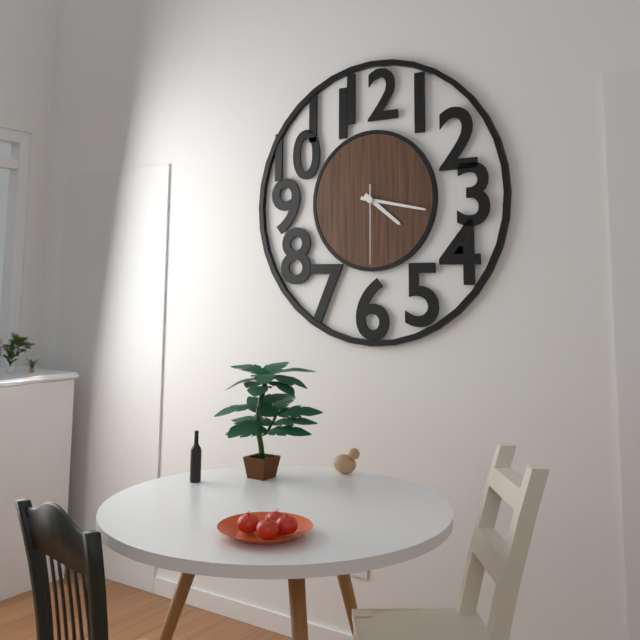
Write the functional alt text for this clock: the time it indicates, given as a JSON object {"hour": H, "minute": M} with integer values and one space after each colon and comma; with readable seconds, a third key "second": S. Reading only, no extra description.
{"hour": 4, "minute": 17, "second": 30}
